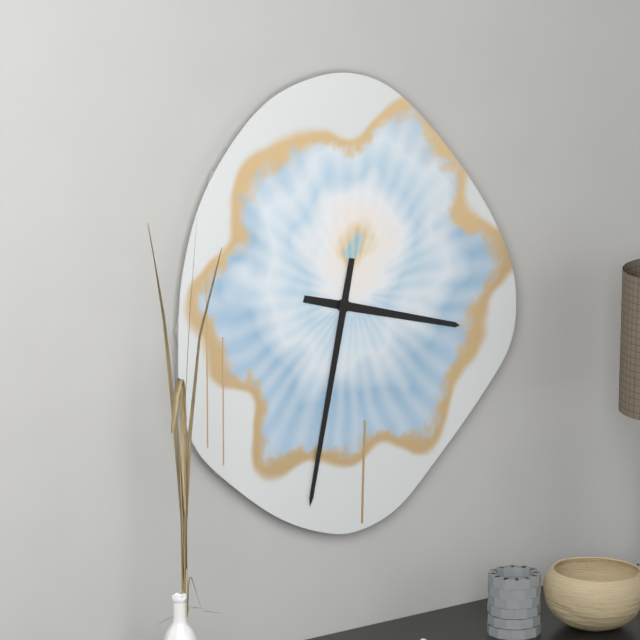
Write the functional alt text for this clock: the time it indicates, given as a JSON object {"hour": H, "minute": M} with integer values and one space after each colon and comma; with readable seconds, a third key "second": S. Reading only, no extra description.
{"hour": 3, "minute": 32}
